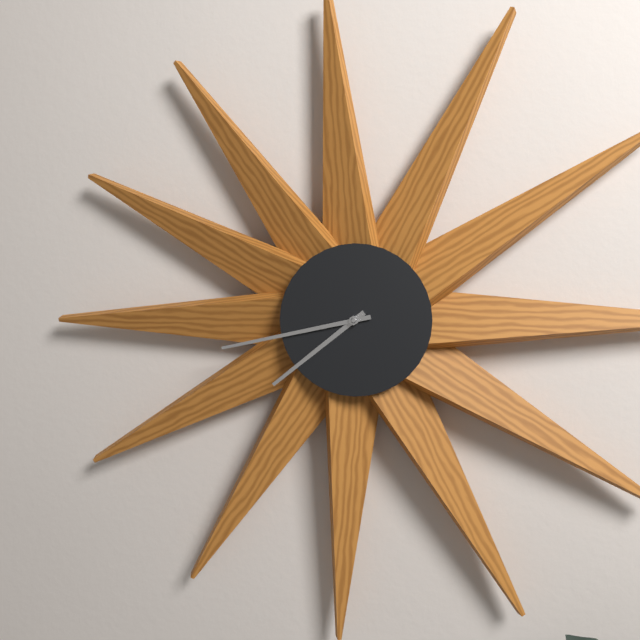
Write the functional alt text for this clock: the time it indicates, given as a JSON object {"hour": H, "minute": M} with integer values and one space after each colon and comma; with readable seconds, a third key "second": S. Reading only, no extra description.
{"hour": 7, "minute": 43}
